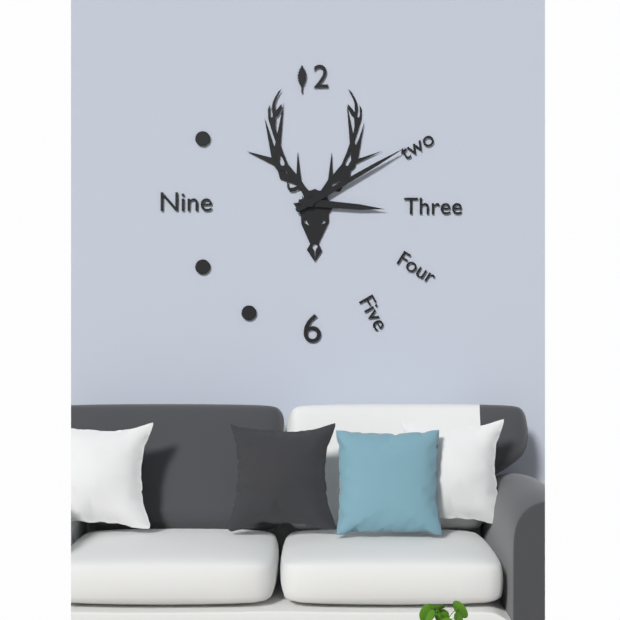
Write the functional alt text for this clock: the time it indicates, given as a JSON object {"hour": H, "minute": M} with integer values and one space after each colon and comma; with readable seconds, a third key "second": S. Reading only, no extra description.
{"hour": 3, "minute": 10}
